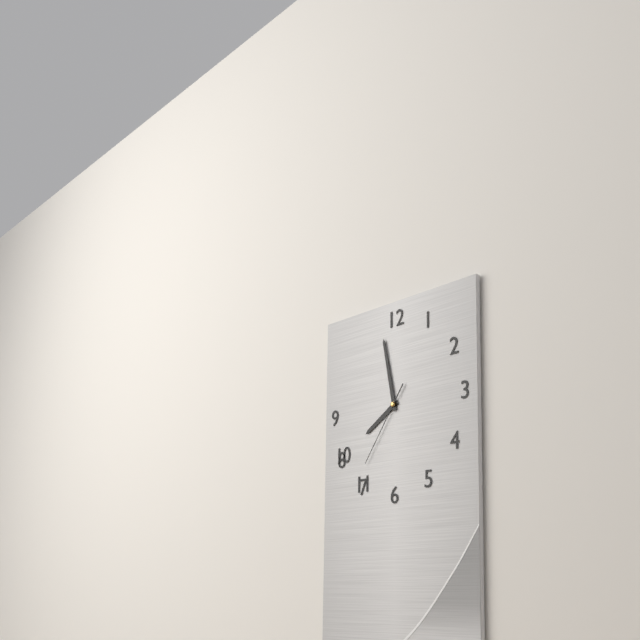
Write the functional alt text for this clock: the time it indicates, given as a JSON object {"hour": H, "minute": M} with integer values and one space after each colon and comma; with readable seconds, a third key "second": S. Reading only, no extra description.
{"hour": 7, "minute": 58, "second": 36}
